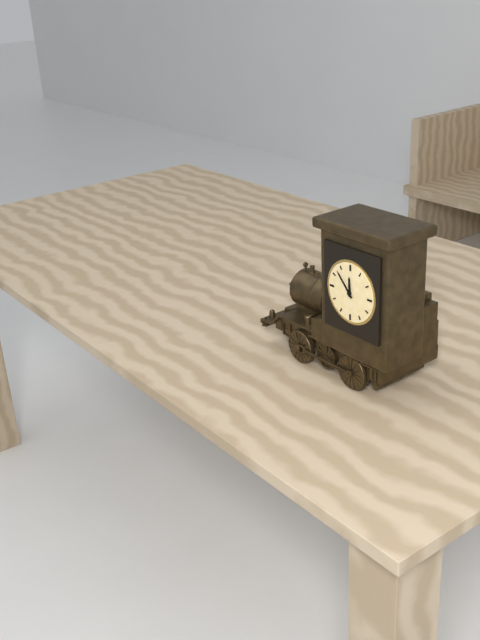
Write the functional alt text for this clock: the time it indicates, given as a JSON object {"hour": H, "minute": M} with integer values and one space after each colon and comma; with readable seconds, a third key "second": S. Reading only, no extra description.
{"hour": 11, "minute": 53}
